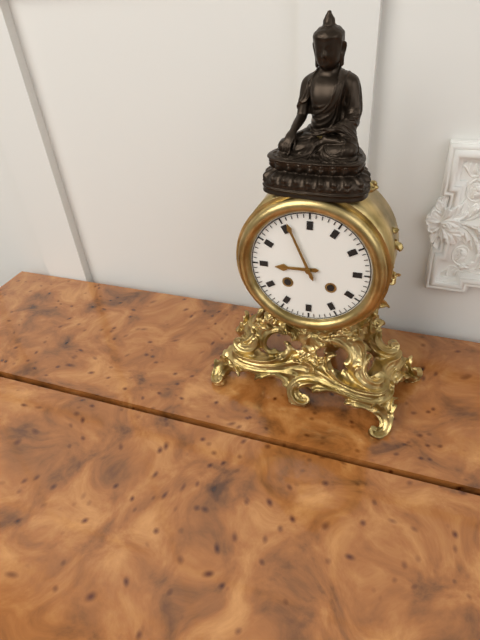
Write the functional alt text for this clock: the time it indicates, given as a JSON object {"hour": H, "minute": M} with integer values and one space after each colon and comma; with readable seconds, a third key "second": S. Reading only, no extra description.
{"hour": 8, "minute": 56}
